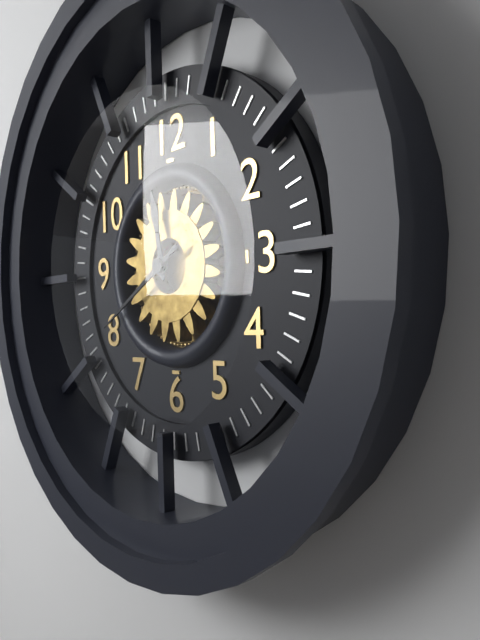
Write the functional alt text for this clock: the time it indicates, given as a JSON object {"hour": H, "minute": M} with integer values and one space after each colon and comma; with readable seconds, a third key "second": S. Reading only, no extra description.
{"hour": 11, "minute": 40}
